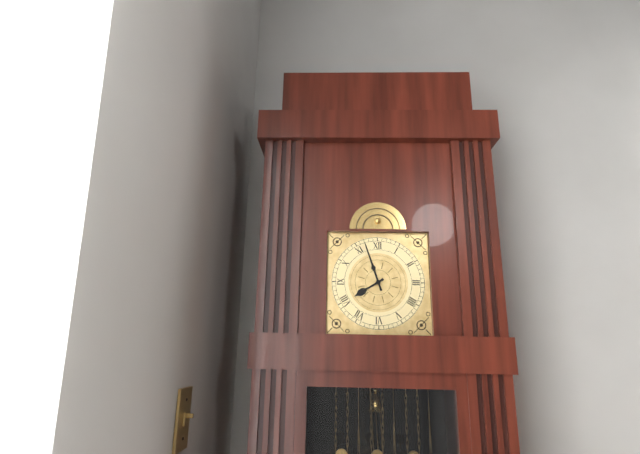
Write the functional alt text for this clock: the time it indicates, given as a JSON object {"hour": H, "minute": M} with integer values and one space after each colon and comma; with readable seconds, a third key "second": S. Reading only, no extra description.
{"hour": 7, "minute": 57}
